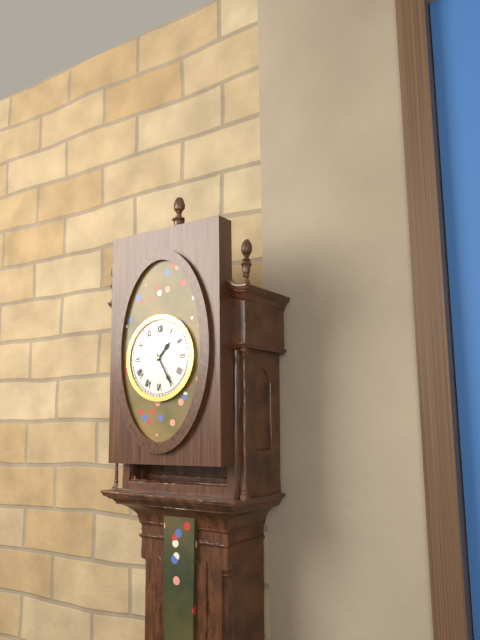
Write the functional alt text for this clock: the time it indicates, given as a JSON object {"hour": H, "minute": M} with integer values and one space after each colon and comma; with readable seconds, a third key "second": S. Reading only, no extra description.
{"hour": 1, "minute": 25}
